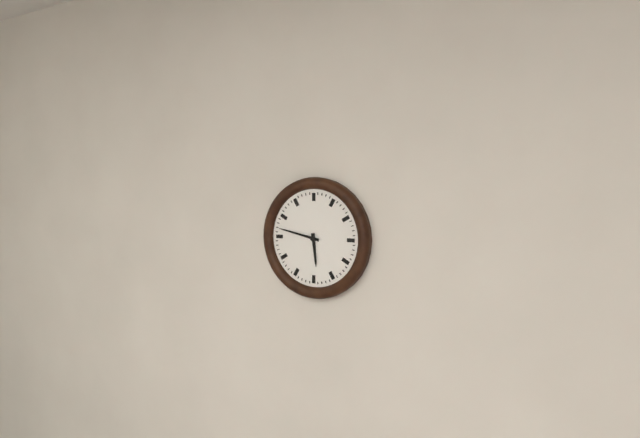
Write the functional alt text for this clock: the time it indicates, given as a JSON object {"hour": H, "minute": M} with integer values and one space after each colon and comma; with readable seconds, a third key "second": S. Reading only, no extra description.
{"hour": 5, "minute": 47}
